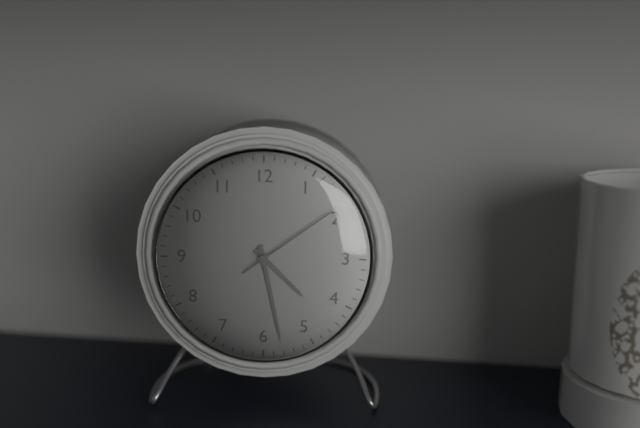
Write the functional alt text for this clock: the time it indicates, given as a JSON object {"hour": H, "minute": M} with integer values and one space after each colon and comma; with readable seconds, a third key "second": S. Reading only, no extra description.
{"hour": 4, "minute": 28, "second": 9}
